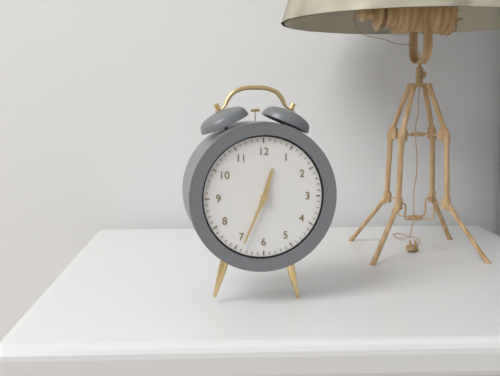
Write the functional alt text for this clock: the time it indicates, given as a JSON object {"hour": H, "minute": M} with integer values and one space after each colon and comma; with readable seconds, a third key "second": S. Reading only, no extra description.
{"hour": 12, "minute": 34}
